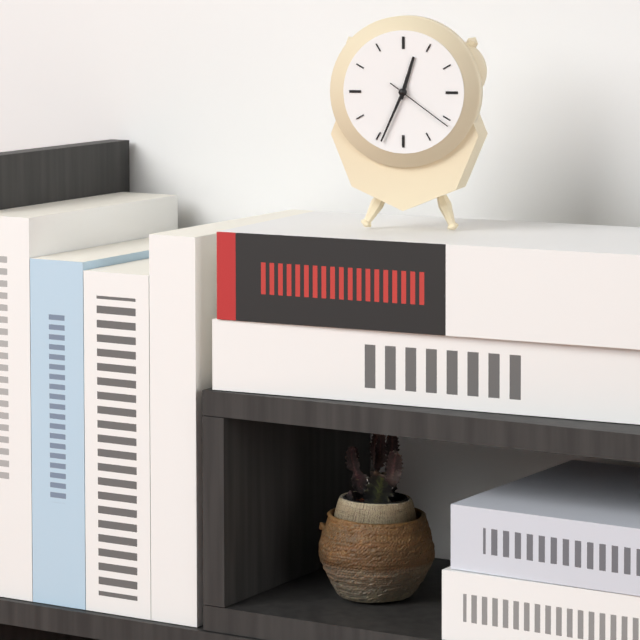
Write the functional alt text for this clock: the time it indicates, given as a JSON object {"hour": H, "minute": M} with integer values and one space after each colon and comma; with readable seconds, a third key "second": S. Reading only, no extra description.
{"hour": 12, "minute": 34, "second": 21}
